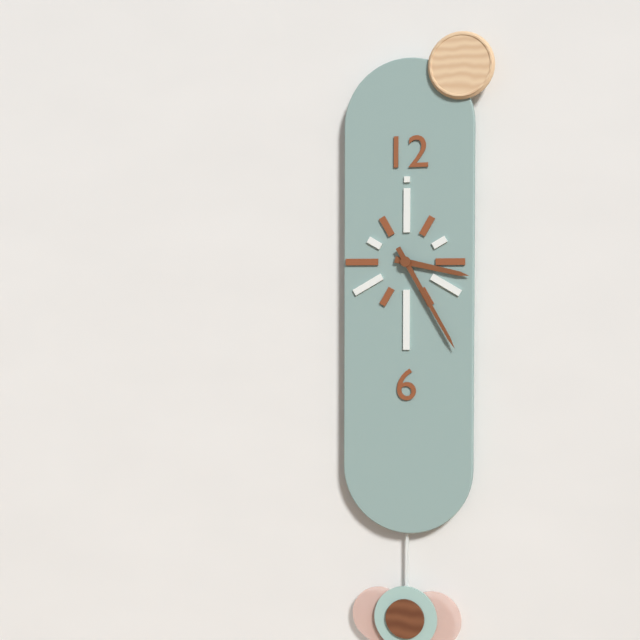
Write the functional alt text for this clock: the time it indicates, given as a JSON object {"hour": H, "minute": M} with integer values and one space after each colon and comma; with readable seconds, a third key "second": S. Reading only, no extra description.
{"hour": 3, "minute": 25}
